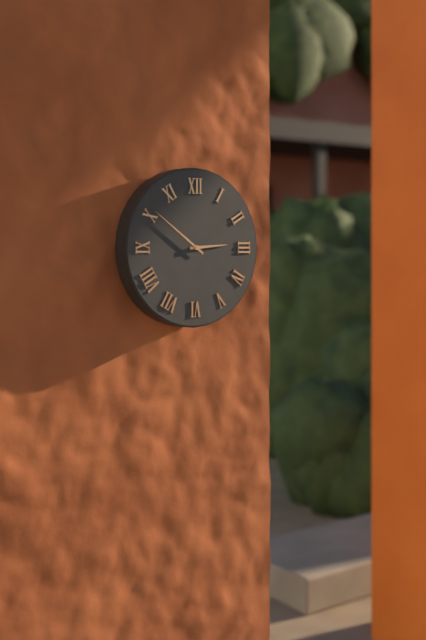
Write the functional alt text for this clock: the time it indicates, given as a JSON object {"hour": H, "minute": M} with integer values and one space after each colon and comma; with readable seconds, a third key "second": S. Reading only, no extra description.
{"hour": 2, "minute": 51}
